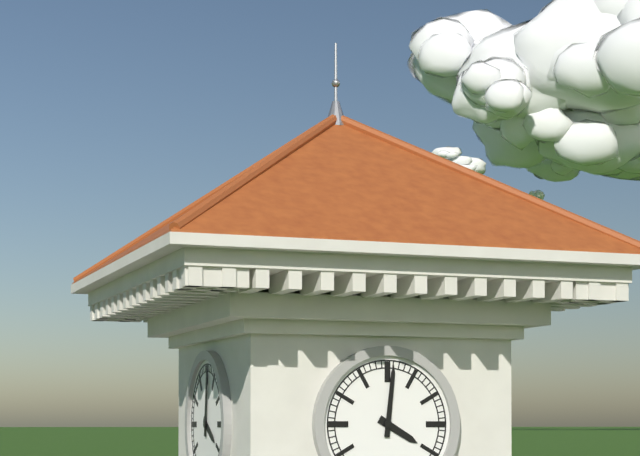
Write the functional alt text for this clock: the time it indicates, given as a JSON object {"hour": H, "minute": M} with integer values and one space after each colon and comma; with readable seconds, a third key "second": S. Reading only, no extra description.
{"hour": 4, "minute": 1}
